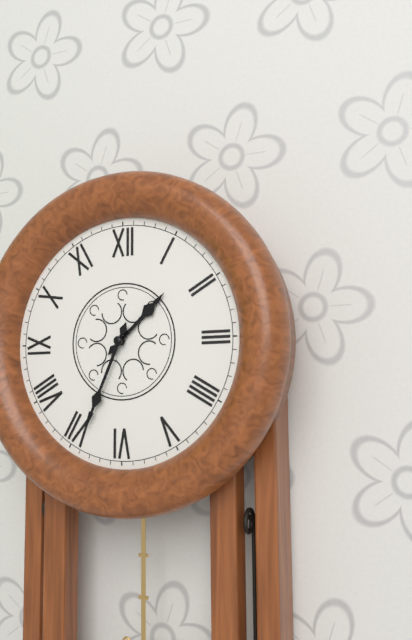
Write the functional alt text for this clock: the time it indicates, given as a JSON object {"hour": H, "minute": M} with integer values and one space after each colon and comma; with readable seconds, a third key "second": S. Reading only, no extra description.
{"hour": 1, "minute": 34}
